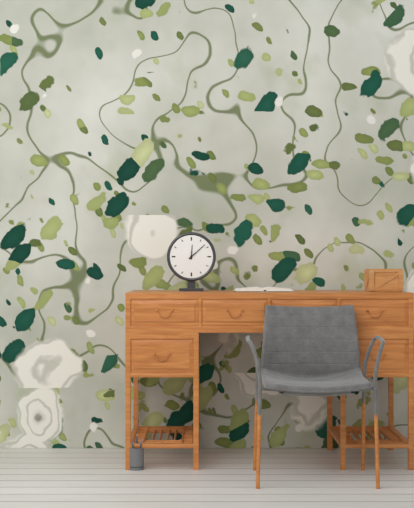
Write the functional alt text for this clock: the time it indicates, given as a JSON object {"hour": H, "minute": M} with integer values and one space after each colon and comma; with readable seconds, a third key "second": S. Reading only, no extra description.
{"hour": 12, "minute": 8}
